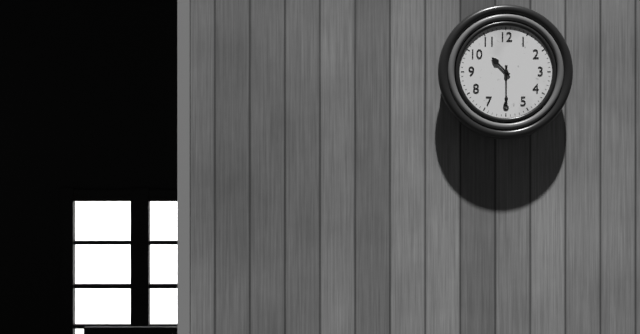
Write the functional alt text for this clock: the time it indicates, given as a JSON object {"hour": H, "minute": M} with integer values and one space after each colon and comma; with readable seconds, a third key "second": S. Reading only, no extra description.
{"hour": 10, "minute": 30}
